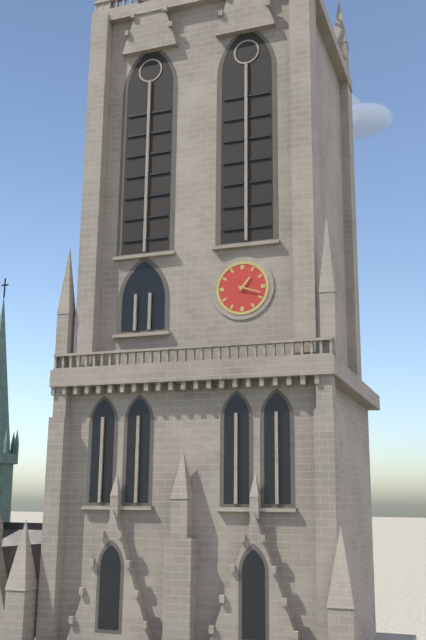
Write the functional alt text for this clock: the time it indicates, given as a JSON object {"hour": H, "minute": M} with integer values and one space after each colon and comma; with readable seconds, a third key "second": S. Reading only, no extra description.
{"hour": 1, "minute": 18}
